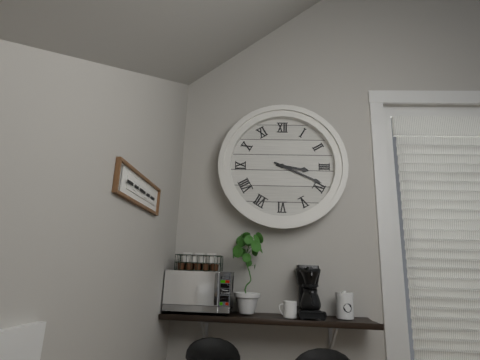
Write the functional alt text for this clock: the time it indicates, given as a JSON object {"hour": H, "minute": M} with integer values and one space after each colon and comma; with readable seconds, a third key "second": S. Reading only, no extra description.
{"hour": 3, "minute": 19}
